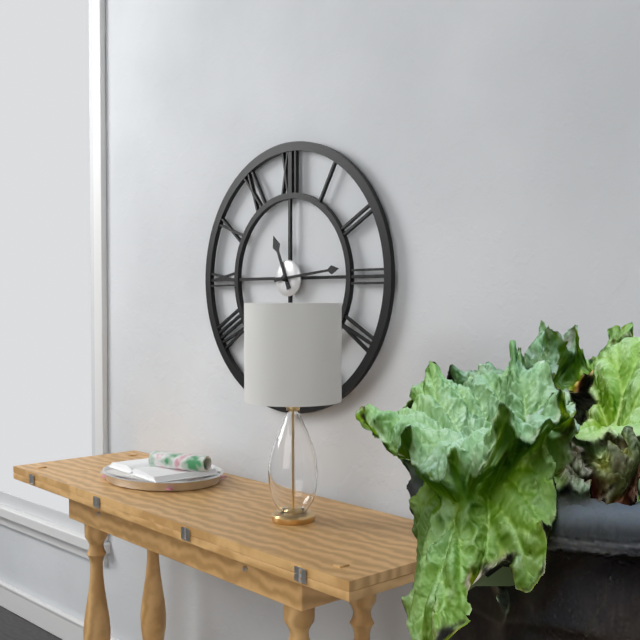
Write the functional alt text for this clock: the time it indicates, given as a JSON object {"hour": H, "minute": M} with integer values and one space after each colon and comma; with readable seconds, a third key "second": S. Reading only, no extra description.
{"hour": 11, "minute": 14}
